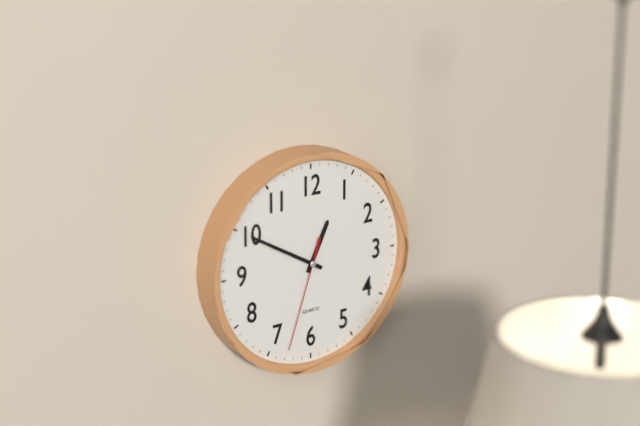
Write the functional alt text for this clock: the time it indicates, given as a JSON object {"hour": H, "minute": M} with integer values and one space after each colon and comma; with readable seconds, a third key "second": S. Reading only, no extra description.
{"hour": 12, "minute": 50, "second": 33}
